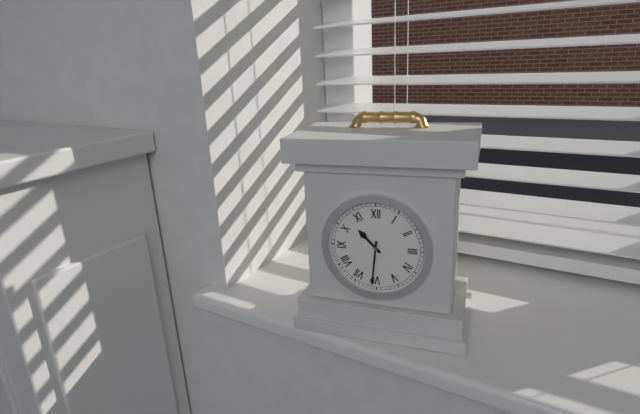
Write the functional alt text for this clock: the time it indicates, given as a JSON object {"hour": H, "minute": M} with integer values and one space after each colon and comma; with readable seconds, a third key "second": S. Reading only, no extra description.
{"hour": 10, "minute": 31}
